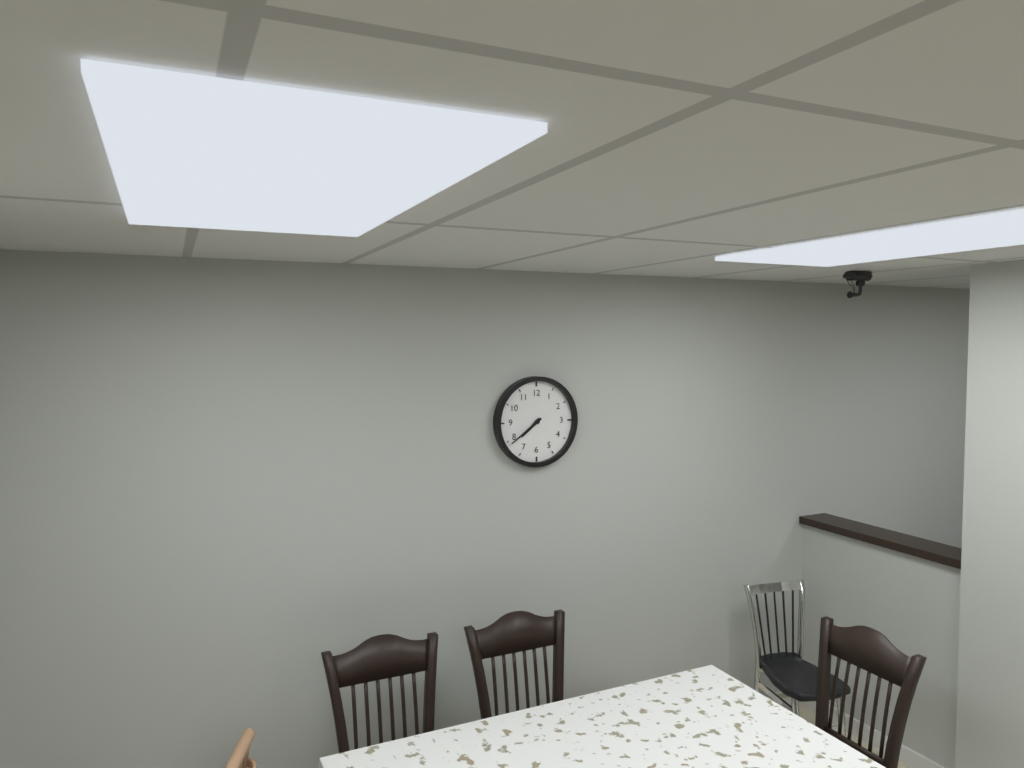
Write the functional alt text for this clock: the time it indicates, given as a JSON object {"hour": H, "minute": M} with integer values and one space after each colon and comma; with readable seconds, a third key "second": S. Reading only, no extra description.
{"hour": 7, "minute": 39}
